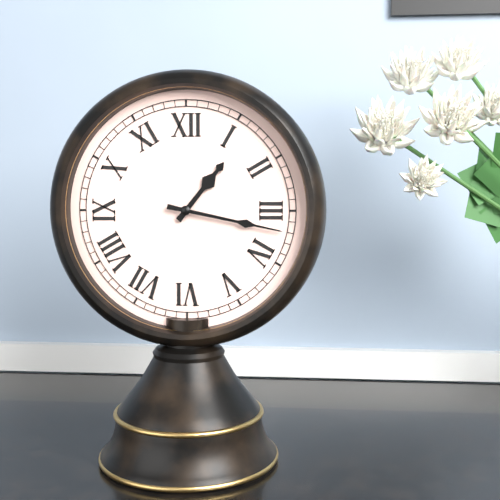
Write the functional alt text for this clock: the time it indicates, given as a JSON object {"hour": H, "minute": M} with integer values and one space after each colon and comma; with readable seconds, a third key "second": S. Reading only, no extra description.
{"hour": 1, "minute": 17}
